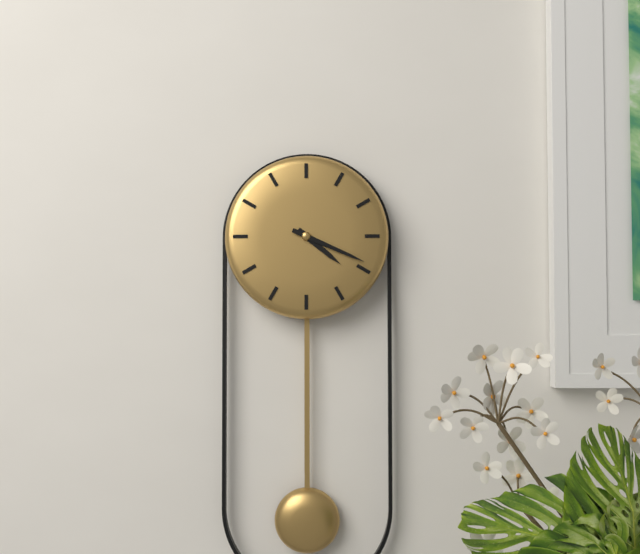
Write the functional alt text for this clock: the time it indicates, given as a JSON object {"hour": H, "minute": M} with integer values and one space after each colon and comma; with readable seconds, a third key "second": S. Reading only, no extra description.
{"hour": 4, "minute": 19}
